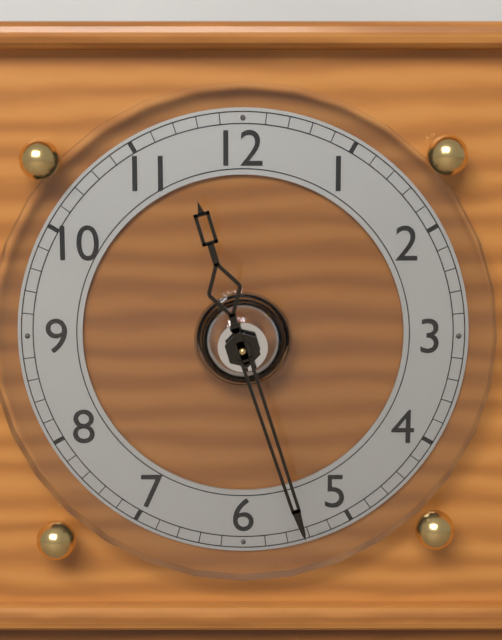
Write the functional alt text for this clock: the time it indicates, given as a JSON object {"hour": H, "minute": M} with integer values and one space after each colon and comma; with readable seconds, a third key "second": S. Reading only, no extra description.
{"hour": 11, "minute": 27}
